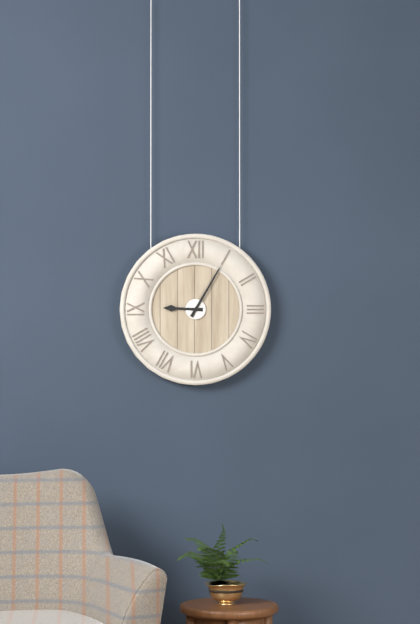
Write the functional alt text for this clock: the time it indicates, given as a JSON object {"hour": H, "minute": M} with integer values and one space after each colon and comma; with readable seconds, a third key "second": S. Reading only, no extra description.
{"hour": 9, "minute": 5}
